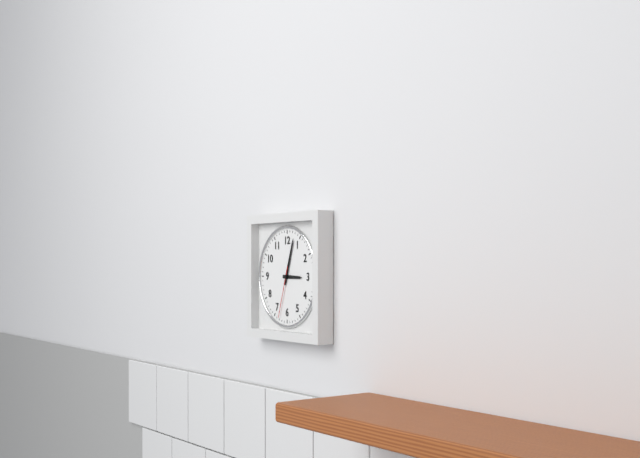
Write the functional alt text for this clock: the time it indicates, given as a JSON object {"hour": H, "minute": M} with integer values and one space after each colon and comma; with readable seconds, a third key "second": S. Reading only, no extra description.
{"hour": 3, "minute": 3, "second": 33}
